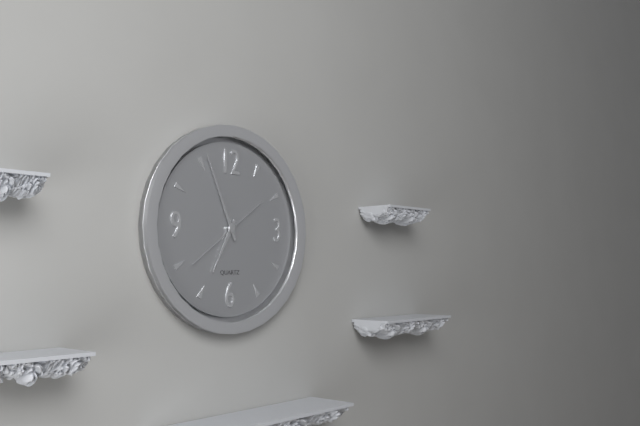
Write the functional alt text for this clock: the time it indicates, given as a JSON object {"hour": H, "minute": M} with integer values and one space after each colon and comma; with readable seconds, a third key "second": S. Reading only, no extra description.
{"hour": 6, "minute": 56, "second": 39}
